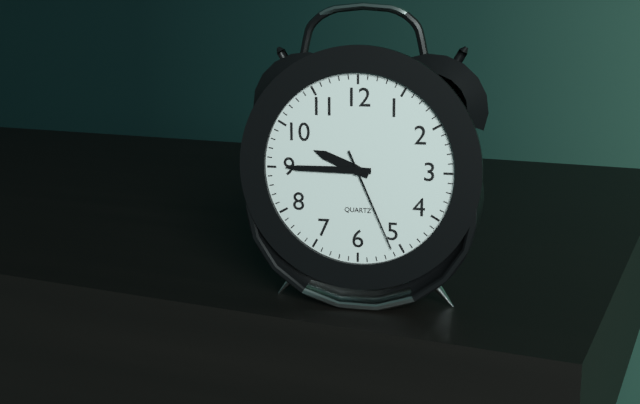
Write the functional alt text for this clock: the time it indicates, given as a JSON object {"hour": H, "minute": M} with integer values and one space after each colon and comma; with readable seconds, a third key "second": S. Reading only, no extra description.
{"hour": 9, "minute": 45, "second": 26}
